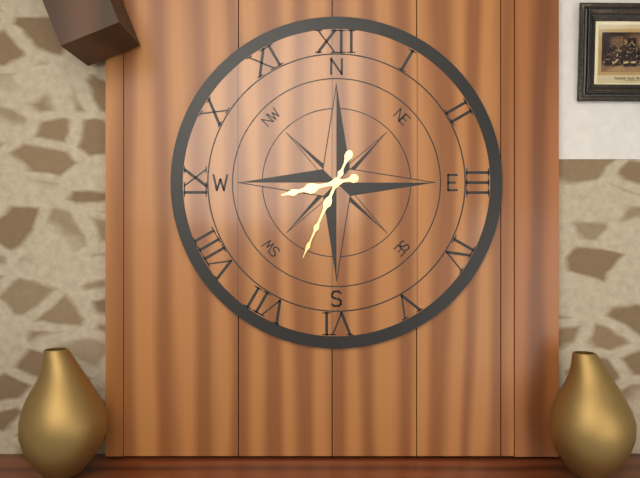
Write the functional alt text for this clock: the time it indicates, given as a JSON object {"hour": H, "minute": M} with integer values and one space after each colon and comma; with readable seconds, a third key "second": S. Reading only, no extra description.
{"hour": 8, "minute": 34}
